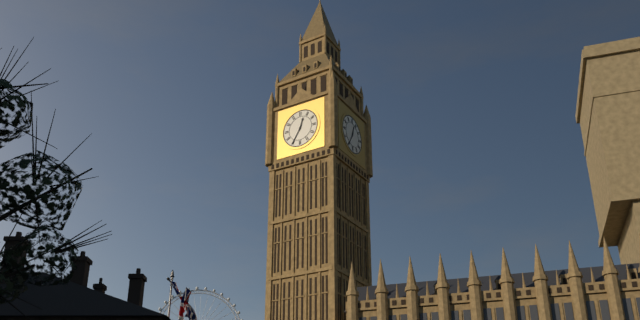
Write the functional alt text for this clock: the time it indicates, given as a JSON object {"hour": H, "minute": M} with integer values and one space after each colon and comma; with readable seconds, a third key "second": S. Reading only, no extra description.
{"hour": 12, "minute": 35}
